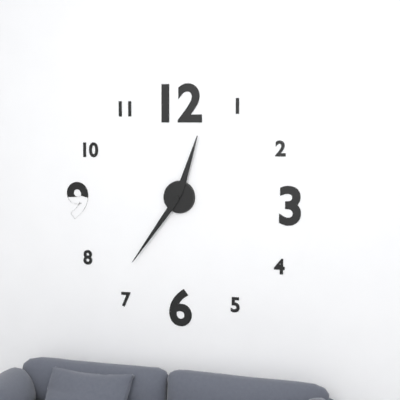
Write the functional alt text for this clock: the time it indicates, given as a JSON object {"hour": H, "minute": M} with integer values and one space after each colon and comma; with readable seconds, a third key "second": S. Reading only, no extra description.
{"hour": 12, "minute": 36}
